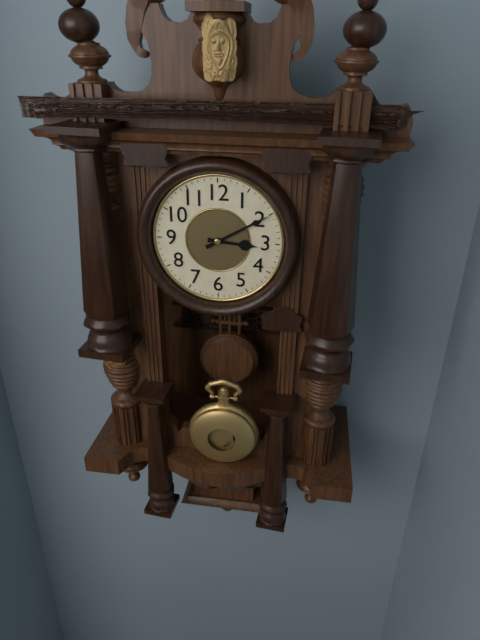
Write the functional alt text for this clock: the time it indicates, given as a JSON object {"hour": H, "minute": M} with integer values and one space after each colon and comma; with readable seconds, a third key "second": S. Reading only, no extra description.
{"hour": 3, "minute": 10}
